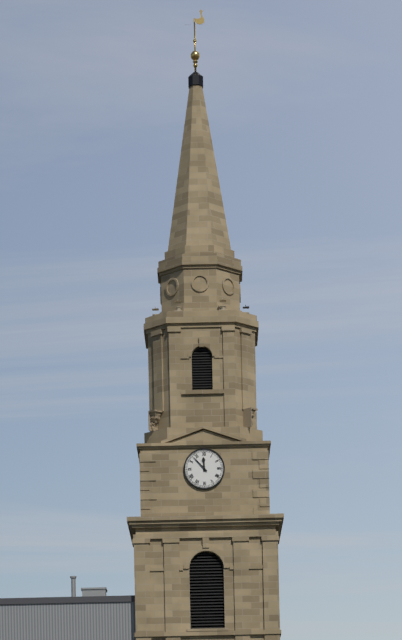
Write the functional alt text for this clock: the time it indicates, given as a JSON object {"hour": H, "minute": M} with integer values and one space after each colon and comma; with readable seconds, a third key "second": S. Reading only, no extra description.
{"hour": 11, "minute": 53}
